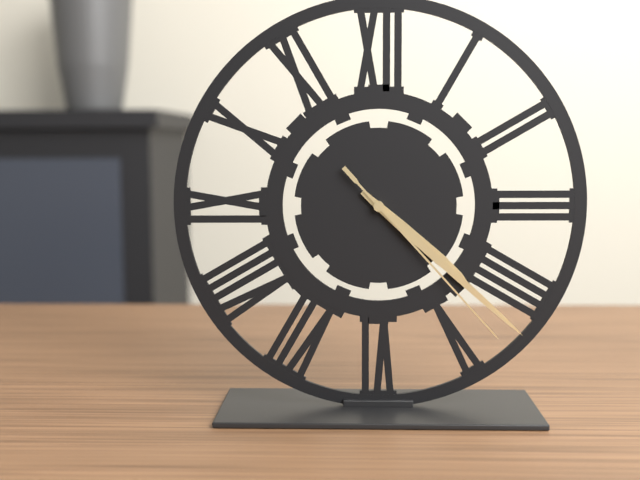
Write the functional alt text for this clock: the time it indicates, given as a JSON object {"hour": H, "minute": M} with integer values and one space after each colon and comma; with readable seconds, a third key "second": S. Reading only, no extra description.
{"hour": 4, "minute": 22, "second": 23}
